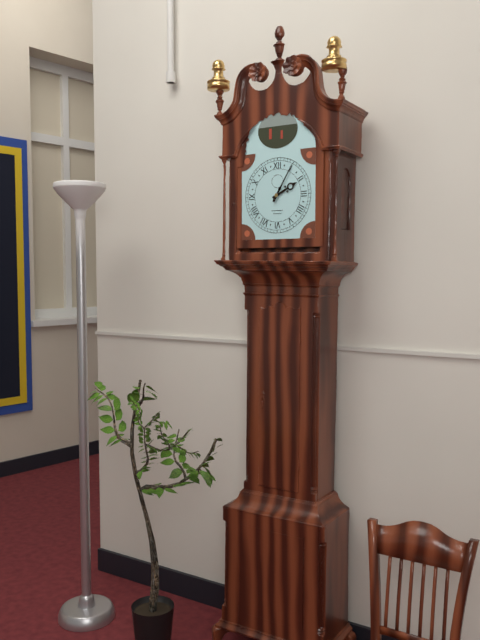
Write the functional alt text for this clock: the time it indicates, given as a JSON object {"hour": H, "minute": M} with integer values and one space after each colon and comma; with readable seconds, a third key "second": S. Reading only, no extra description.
{"hour": 2, "minute": 5}
